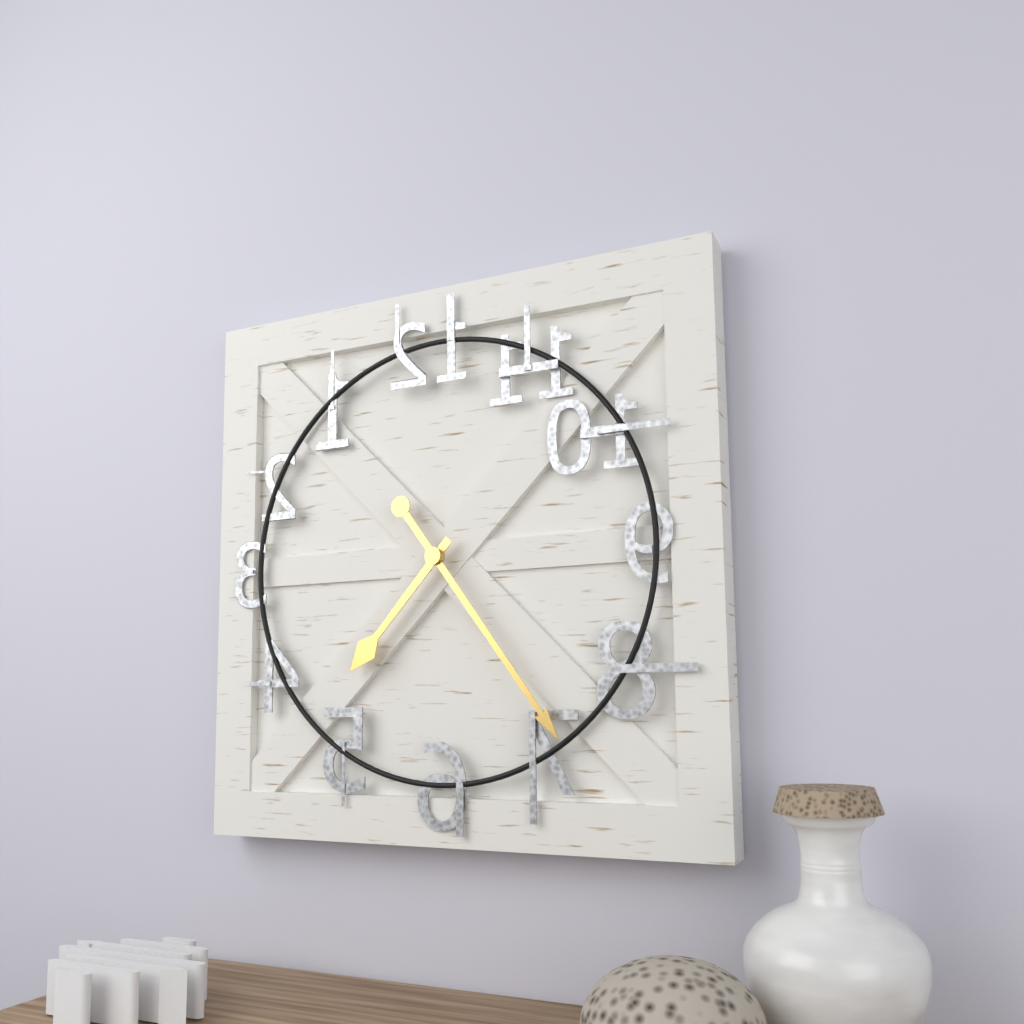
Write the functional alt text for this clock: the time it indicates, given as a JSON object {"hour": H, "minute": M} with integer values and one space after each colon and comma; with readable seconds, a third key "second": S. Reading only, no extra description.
{"hour": 7, "minute": 24}
